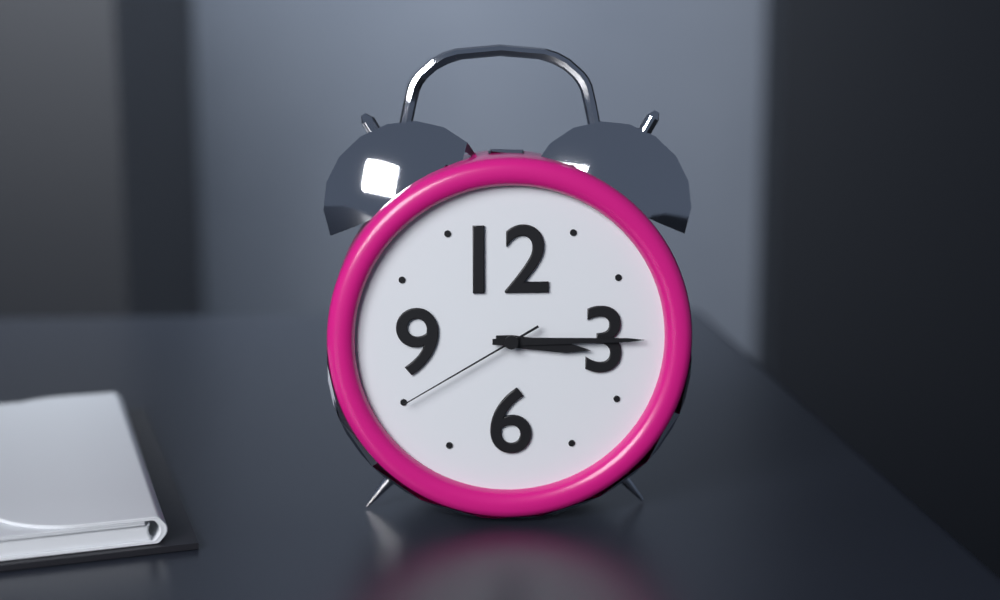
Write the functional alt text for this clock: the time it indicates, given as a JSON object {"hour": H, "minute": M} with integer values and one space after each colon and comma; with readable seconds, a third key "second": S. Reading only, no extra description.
{"hour": 3, "minute": 15, "second": 40}
